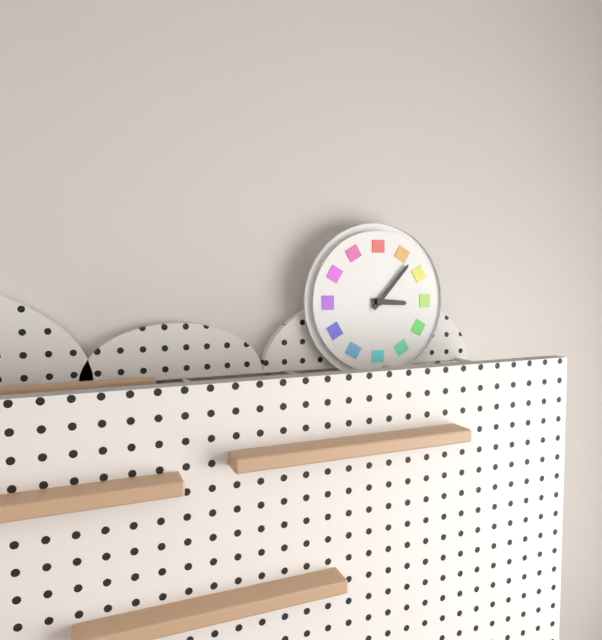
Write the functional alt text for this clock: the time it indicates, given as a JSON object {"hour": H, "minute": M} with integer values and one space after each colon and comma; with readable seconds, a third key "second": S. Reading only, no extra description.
{"hour": 3, "minute": 7}
